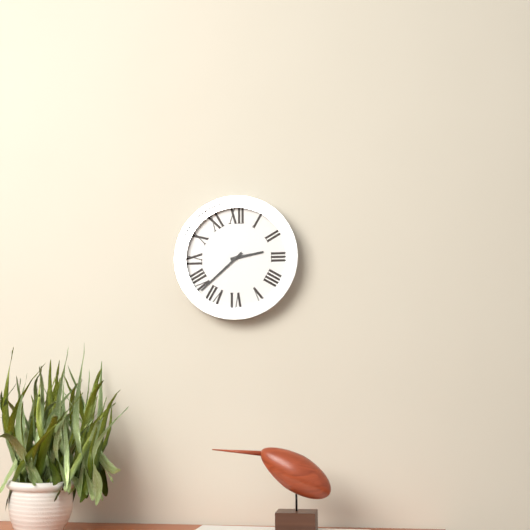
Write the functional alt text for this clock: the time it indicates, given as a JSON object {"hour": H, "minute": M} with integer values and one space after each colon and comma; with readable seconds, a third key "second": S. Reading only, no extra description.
{"hour": 2, "minute": 38}
